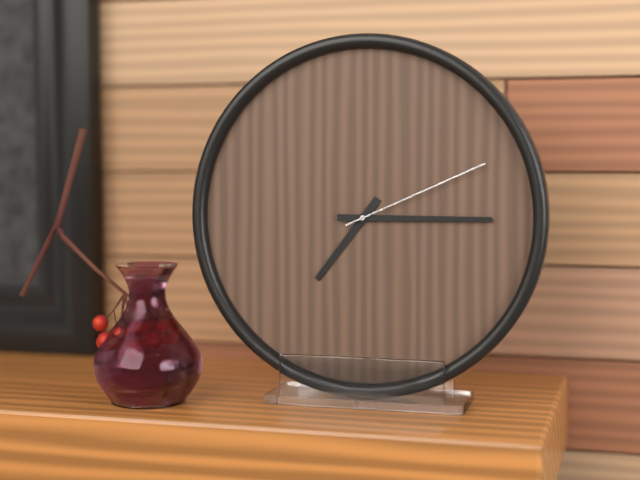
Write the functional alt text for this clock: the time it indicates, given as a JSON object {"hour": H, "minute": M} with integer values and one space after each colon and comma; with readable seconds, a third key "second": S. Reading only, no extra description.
{"hour": 7, "minute": 15, "second": 11}
